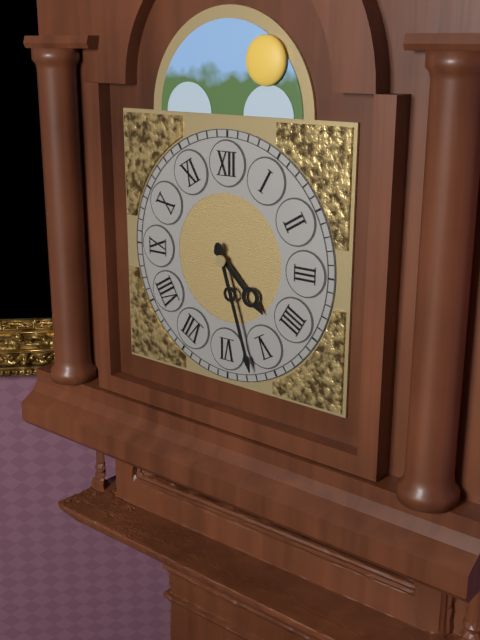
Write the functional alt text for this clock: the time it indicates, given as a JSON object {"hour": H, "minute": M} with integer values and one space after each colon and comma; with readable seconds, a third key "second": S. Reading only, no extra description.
{"hour": 4, "minute": 27}
